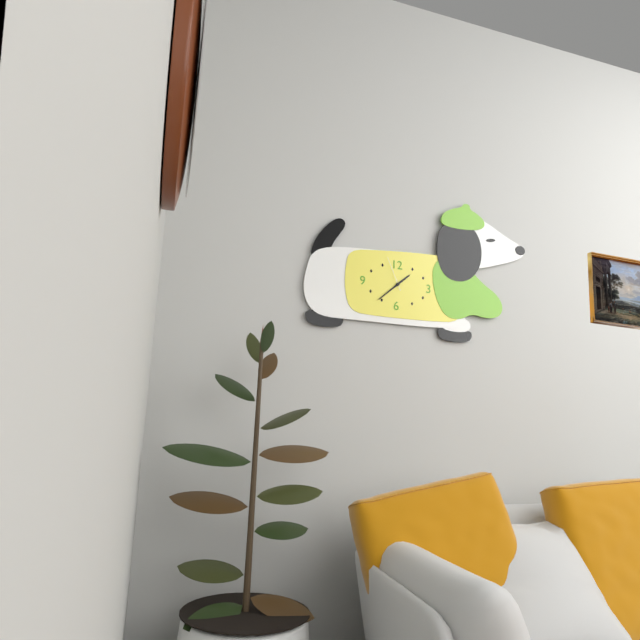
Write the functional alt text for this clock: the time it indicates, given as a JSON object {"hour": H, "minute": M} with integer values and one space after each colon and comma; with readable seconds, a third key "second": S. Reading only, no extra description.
{"hour": 1, "minute": 38}
